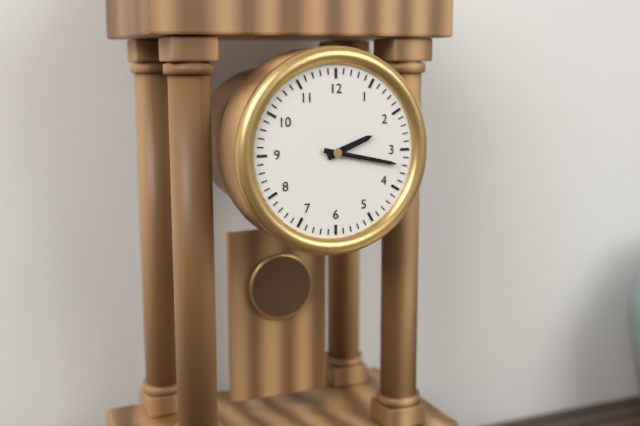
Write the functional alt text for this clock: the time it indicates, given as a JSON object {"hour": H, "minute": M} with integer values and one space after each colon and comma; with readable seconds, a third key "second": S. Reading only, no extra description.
{"hour": 2, "minute": 17}
